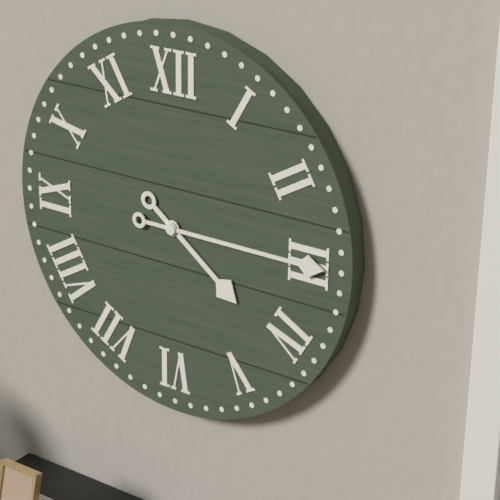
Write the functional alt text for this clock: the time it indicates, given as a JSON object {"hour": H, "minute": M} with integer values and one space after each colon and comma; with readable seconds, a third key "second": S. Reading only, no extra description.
{"hour": 4, "minute": 15}
